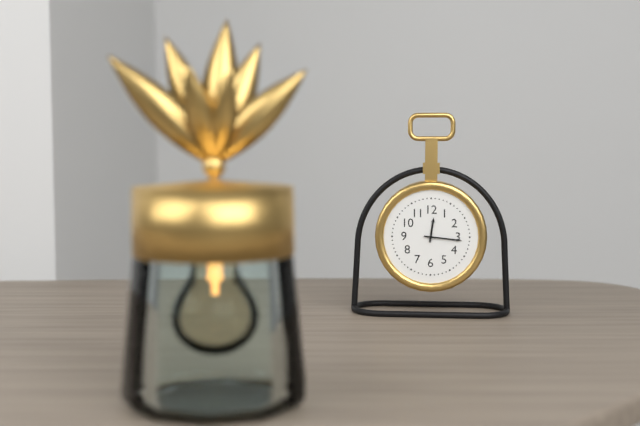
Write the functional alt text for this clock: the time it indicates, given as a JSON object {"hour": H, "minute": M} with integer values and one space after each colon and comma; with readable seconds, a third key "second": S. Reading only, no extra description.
{"hour": 12, "minute": 16}
